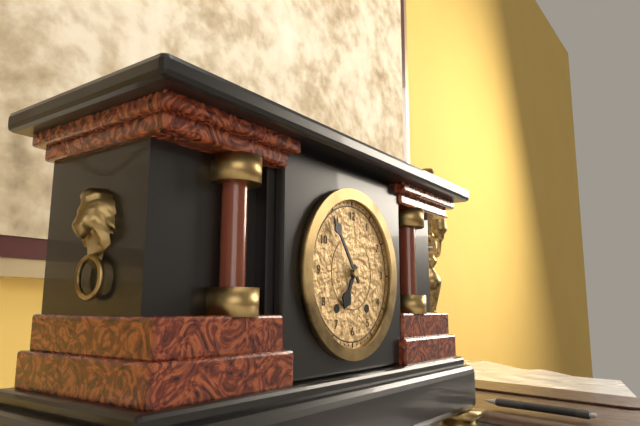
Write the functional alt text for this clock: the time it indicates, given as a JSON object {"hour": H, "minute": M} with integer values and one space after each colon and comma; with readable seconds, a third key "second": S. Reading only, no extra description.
{"hour": 6, "minute": 54}
